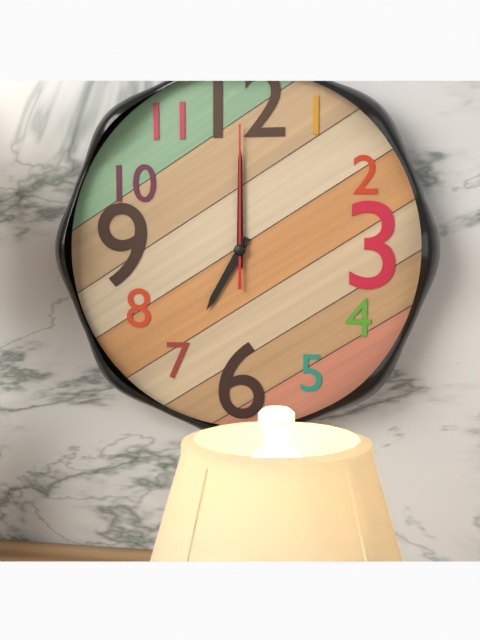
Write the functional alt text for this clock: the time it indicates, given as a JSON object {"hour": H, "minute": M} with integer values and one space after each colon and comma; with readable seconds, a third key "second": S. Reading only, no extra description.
{"hour": 7, "minute": 0, "second": 0}
